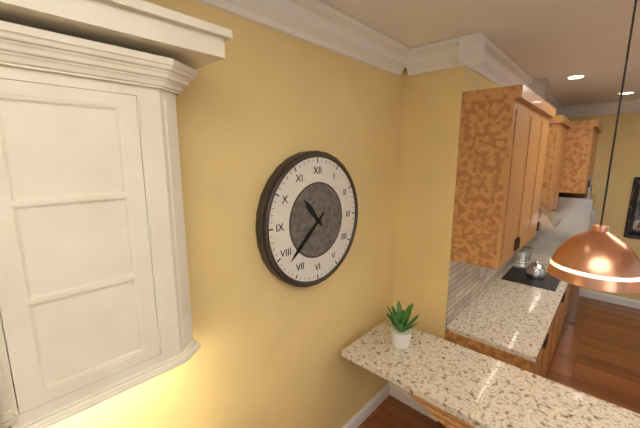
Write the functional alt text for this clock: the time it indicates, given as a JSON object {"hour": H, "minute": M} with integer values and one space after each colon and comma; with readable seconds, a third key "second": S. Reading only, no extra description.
{"hour": 10, "minute": 38}
